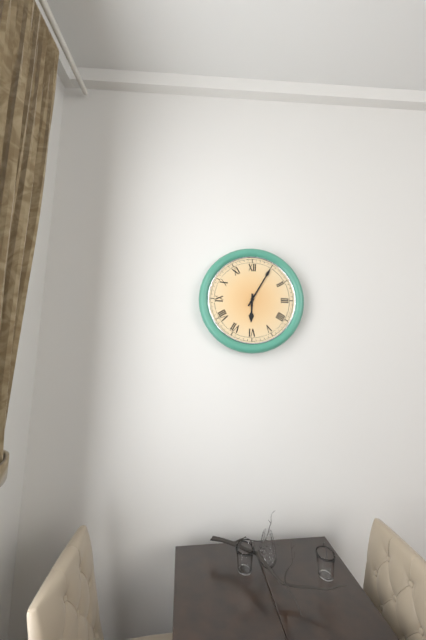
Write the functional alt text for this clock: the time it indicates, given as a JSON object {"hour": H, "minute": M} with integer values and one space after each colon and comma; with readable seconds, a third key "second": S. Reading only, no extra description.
{"hour": 6, "minute": 5}
